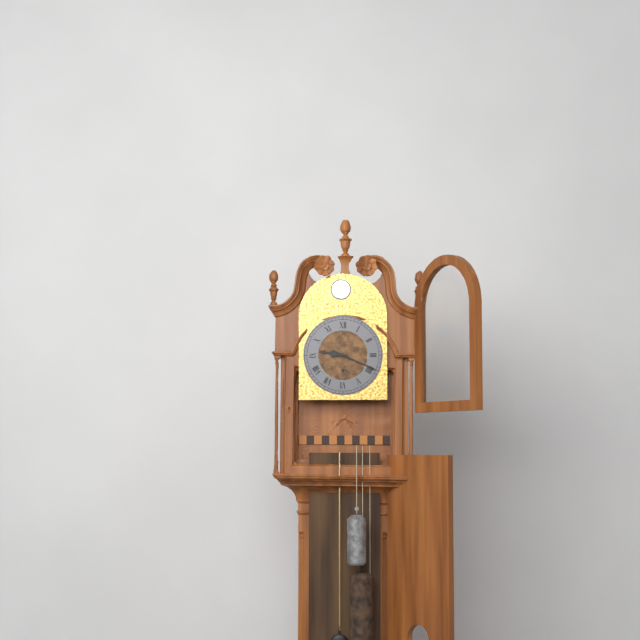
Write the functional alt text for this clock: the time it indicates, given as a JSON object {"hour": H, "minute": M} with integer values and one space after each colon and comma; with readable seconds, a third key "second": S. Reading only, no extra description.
{"hour": 9, "minute": 19}
